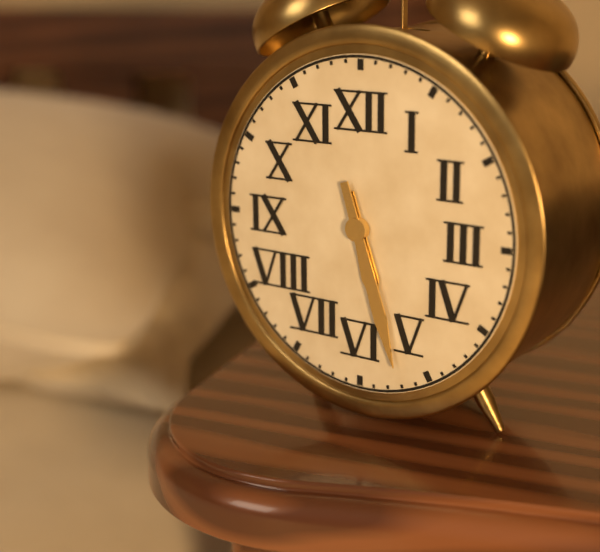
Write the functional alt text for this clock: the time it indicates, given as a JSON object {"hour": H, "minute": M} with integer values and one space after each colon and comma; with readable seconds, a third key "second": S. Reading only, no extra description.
{"hour": 5, "minute": 27}
